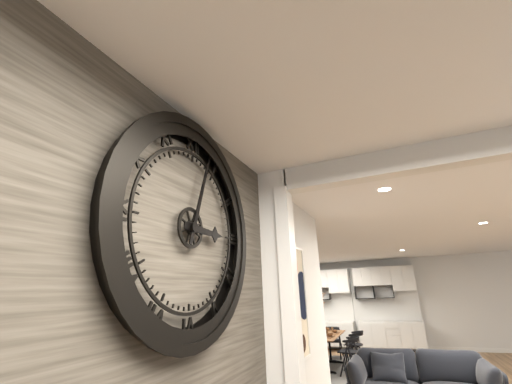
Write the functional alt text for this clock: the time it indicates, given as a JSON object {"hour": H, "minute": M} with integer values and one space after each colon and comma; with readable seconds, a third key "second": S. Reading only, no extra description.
{"hour": 3, "minute": 3}
